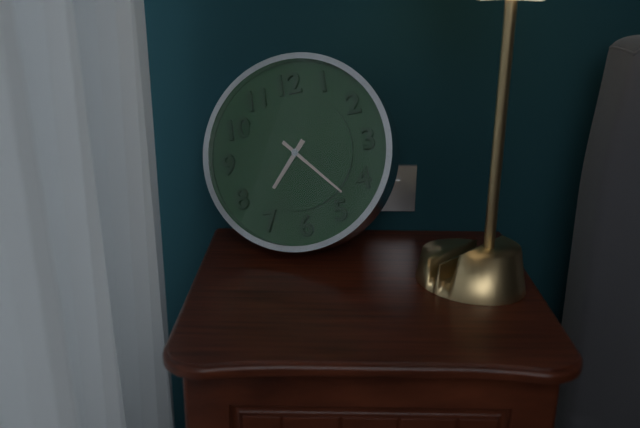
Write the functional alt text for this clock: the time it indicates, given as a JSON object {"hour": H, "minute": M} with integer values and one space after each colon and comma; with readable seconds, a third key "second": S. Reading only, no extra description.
{"hour": 7, "minute": 23}
